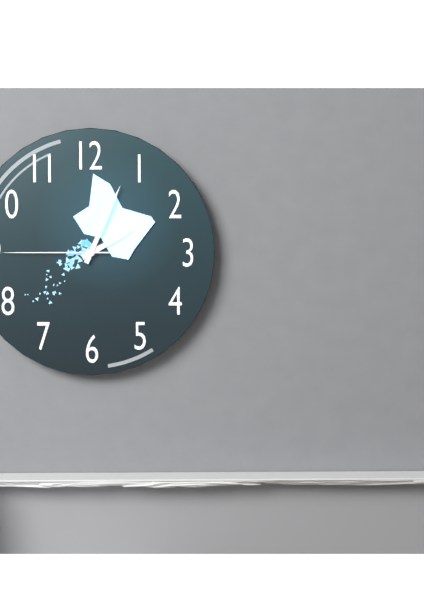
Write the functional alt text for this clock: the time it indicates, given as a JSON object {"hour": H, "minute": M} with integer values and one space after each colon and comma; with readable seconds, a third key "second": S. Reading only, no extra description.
{"hour": 2, "minute": 4, "second": 45}
